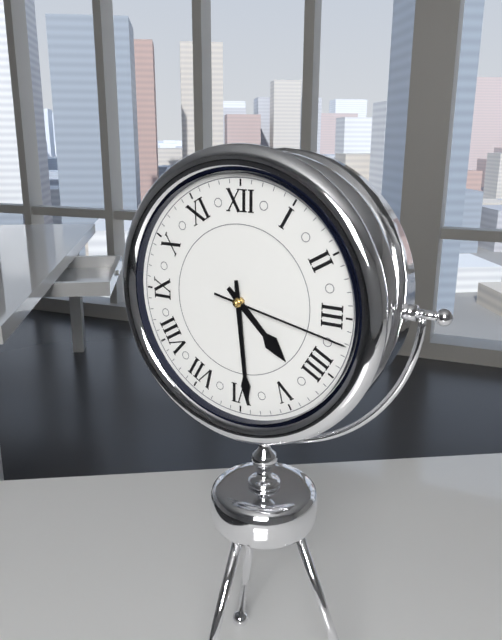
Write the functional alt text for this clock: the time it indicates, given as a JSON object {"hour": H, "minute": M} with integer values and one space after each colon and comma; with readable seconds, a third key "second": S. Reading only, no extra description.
{"hour": 4, "minute": 29, "second": 17}
